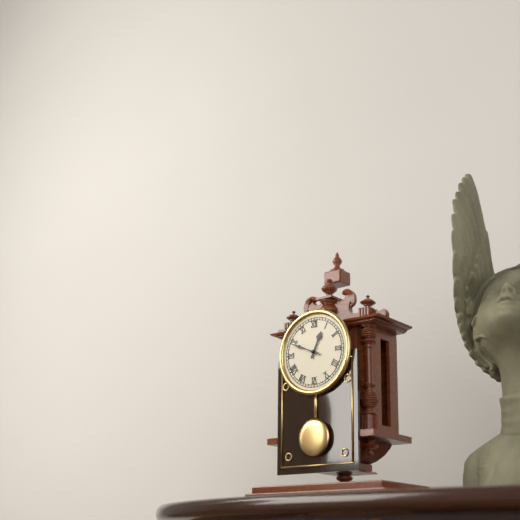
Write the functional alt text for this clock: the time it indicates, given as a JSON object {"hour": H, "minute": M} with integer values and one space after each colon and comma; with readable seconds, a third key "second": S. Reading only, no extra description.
{"hour": 12, "minute": 49}
